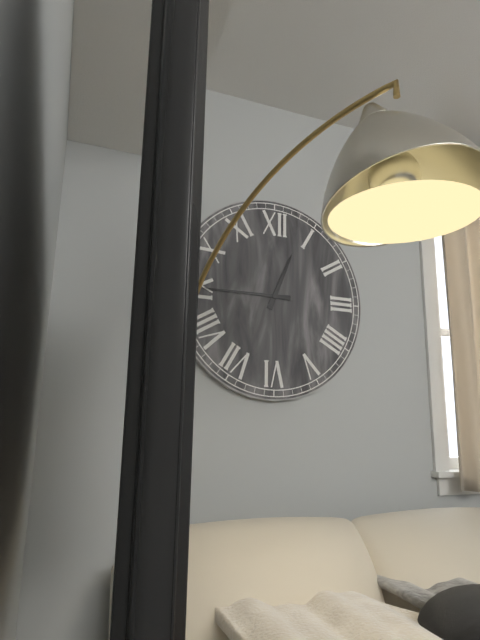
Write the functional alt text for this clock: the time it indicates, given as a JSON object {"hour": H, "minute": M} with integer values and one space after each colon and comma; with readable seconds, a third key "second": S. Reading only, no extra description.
{"hour": 12, "minute": 45}
